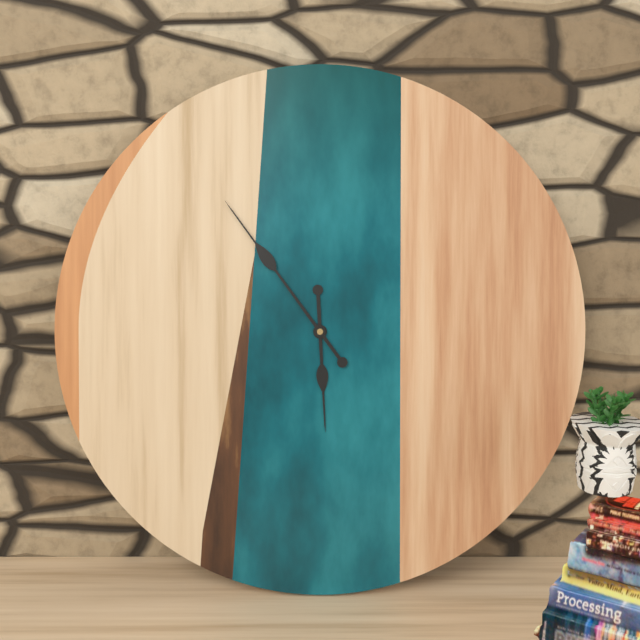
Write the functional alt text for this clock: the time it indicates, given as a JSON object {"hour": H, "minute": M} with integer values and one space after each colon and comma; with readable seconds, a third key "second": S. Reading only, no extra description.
{"hour": 5, "minute": 54}
